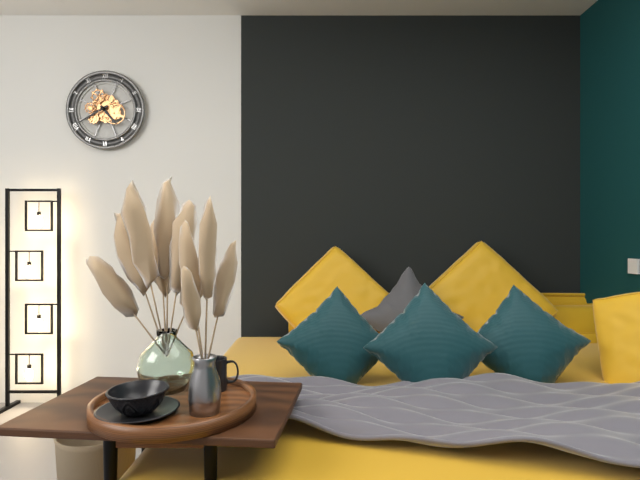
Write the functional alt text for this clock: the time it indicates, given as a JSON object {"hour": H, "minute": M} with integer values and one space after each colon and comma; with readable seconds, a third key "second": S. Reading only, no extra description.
{"hour": 4, "minute": 40}
